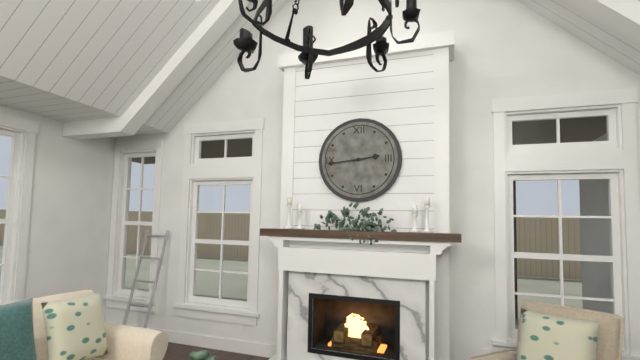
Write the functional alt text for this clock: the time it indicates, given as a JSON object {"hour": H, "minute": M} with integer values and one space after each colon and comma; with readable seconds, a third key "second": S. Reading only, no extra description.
{"hour": 2, "minute": 44}
